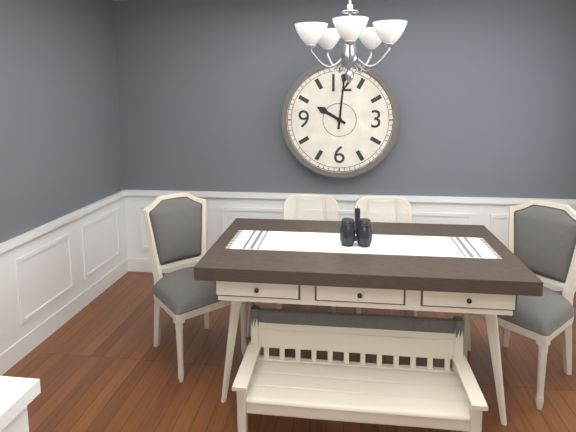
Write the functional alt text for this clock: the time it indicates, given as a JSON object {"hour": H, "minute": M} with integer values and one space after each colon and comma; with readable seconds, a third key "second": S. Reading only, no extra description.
{"hour": 10, "minute": 1}
